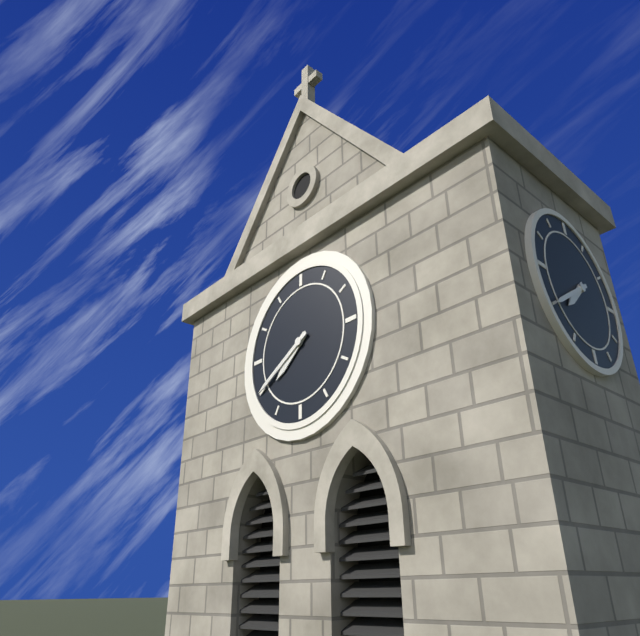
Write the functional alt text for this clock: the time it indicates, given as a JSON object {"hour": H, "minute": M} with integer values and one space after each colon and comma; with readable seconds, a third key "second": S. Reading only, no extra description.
{"hour": 7, "minute": 40}
